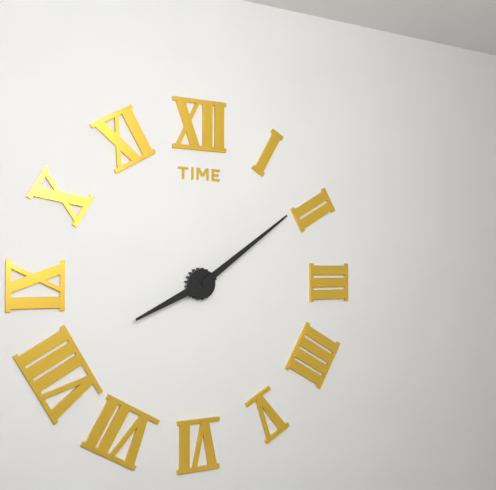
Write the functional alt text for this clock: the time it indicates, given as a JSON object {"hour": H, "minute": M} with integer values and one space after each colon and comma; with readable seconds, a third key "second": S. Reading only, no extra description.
{"hour": 8, "minute": 9}
